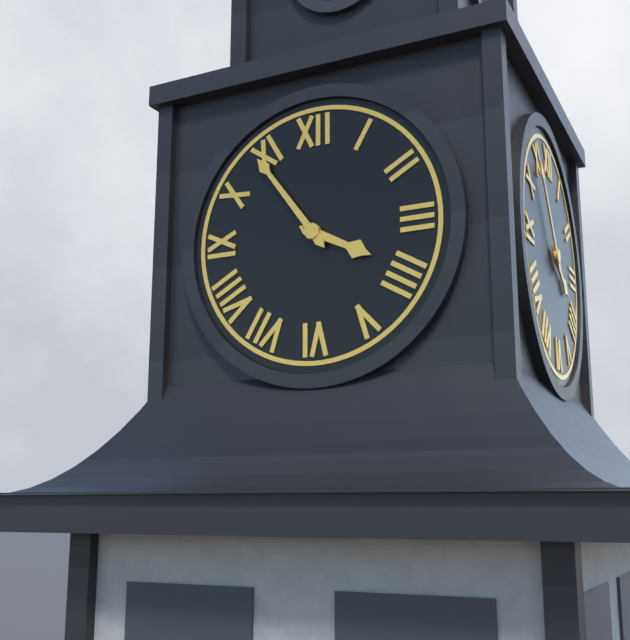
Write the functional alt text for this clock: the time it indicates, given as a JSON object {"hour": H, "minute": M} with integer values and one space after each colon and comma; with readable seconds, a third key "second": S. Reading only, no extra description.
{"hour": 3, "minute": 54}
